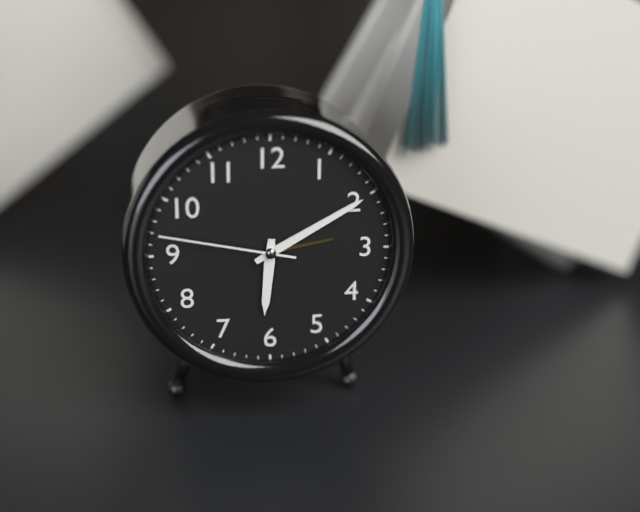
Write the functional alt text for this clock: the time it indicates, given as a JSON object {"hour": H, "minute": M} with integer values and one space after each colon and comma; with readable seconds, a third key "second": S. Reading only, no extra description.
{"hour": 6, "minute": 10, "second": 47}
